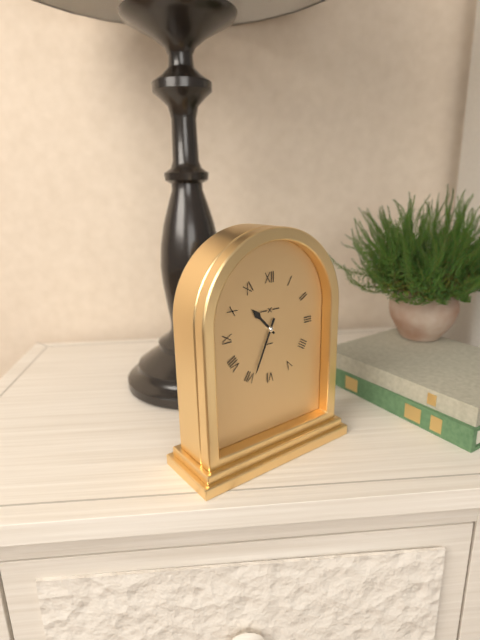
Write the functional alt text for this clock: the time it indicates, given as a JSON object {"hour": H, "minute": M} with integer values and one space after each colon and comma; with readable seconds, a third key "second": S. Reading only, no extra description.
{"hour": 10, "minute": 34}
